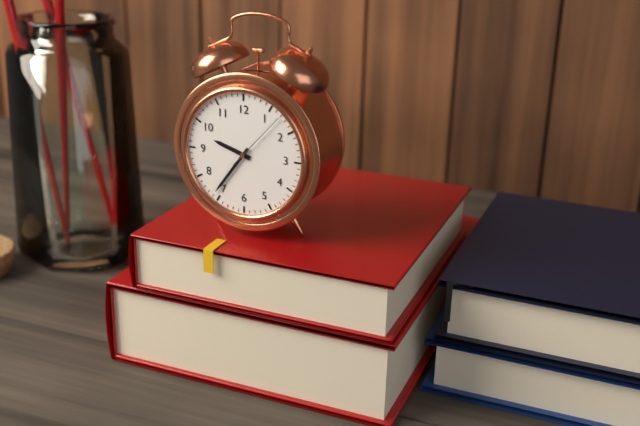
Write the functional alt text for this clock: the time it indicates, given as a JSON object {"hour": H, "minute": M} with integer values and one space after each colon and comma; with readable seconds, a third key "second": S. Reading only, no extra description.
{"hour": 9, "minute": 36, "second": 7}
